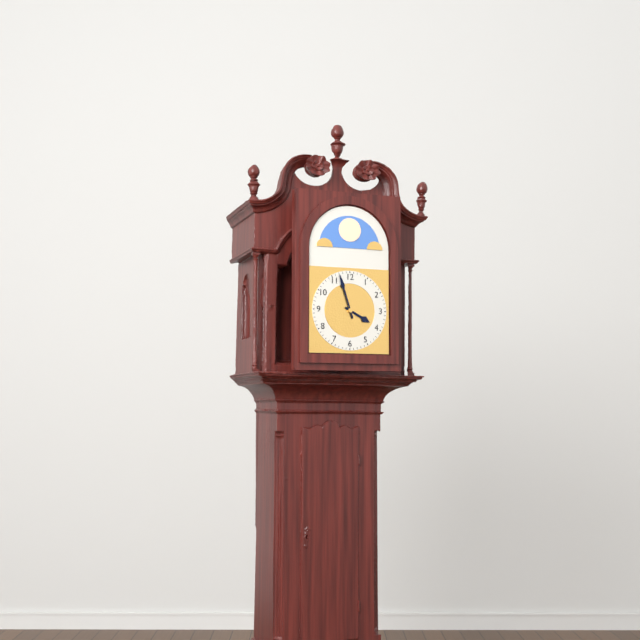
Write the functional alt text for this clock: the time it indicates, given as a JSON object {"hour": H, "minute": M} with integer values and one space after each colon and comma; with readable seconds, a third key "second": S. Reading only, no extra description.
{"hour": 3, "minute": 57}
